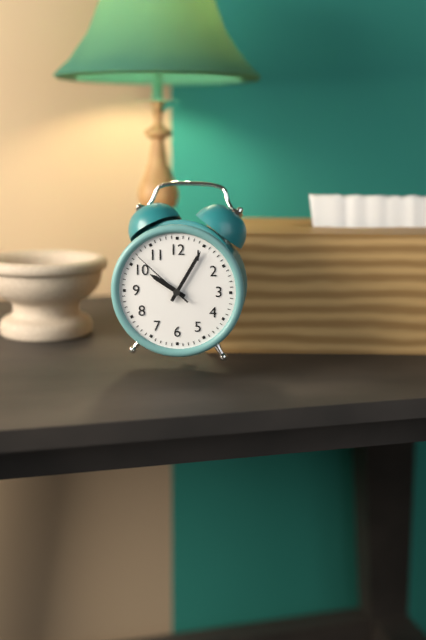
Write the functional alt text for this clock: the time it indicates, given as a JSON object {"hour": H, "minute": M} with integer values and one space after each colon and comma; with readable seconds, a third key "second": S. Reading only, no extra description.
{"hour": 10, "minute": 5, "second": 52}
